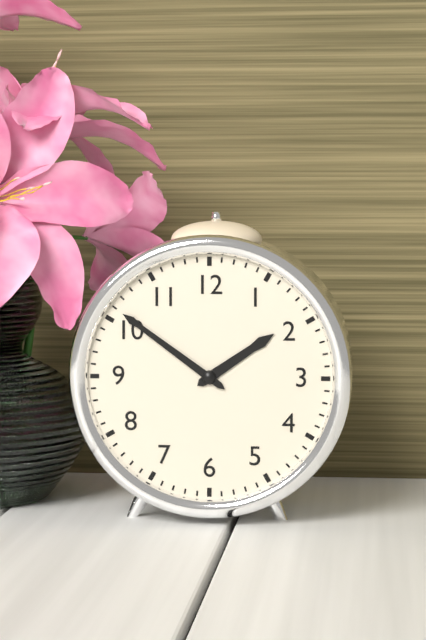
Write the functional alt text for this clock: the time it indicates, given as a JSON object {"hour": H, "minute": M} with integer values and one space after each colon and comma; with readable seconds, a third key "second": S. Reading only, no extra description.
{"hour": 1, "minute": 51}
